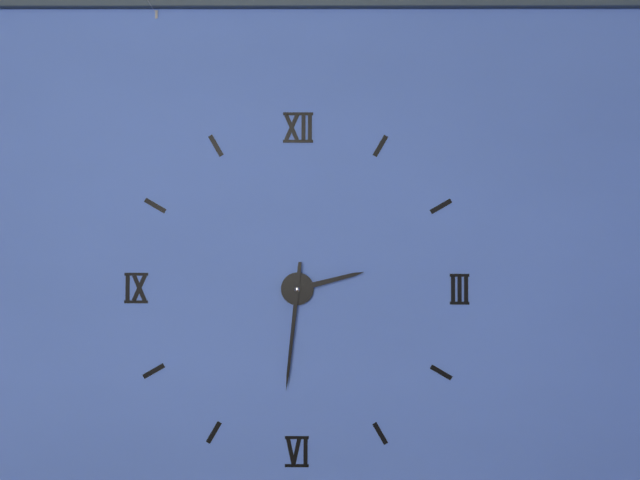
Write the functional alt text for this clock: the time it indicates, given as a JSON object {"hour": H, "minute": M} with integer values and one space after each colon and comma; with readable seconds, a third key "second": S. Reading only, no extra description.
{"hour": 2, "minute": 31}
